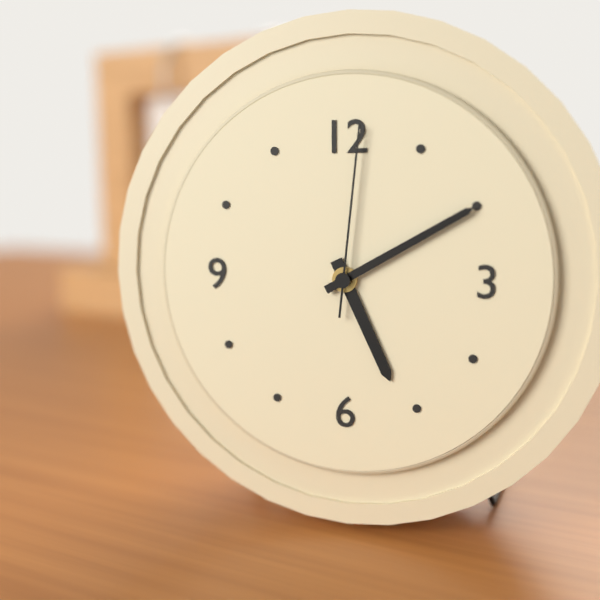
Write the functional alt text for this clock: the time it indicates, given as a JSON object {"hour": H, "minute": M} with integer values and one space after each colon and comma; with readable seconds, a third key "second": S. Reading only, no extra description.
{"hour": 5, "minute": 10, "second": 1}
